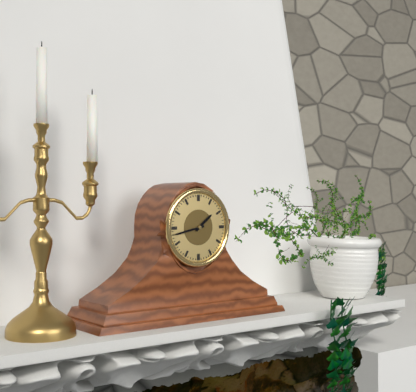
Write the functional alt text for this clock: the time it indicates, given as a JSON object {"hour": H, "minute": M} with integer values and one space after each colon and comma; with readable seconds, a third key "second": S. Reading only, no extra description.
{"hour": 1, "minute": 43}
